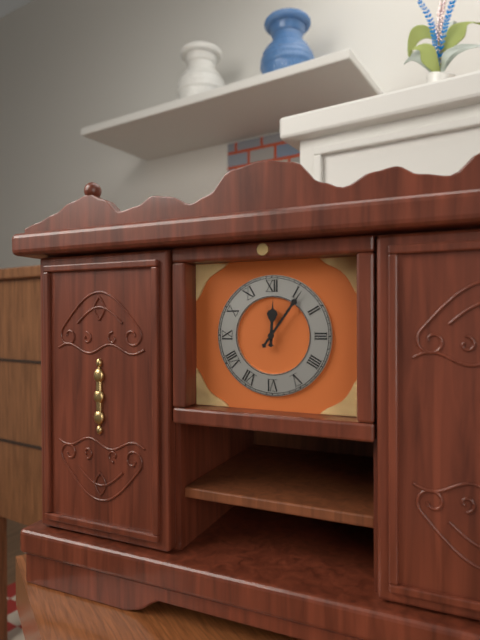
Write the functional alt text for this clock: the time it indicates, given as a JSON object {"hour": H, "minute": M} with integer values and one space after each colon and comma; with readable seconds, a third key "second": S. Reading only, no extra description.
{"hour": 12, "minute": 6}
